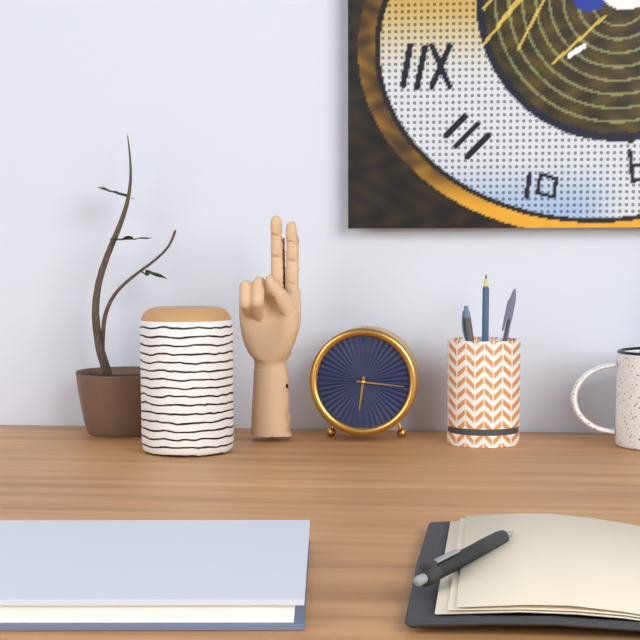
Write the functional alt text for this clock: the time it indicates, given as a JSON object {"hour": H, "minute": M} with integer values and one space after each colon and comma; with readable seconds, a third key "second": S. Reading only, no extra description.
{"hour": 6, "minute": 16}
